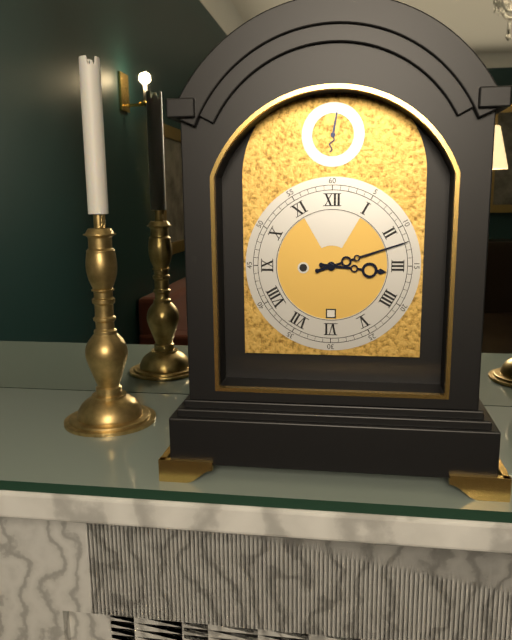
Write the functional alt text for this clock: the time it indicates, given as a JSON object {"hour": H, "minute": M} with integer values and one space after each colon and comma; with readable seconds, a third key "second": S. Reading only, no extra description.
{"hour": 3, "minute": 12}
